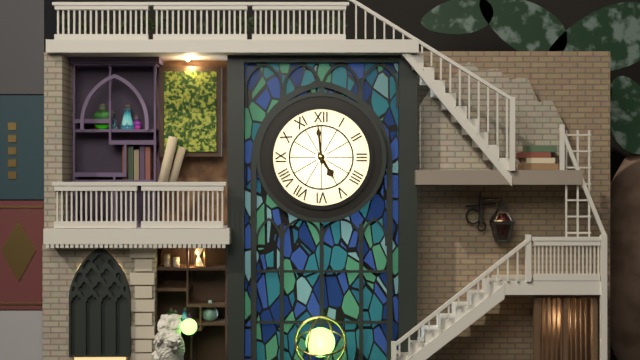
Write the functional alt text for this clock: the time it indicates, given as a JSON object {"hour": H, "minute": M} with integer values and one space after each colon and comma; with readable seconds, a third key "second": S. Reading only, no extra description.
{"hour": 4, "minute": 59}
